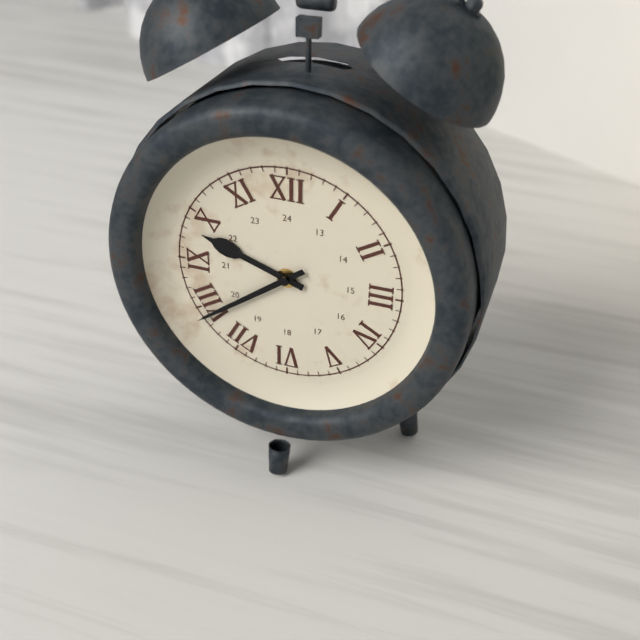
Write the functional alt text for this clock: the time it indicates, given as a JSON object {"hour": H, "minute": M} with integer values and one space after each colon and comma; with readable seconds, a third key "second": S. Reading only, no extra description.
{"hour": 9, "minute": 39}
